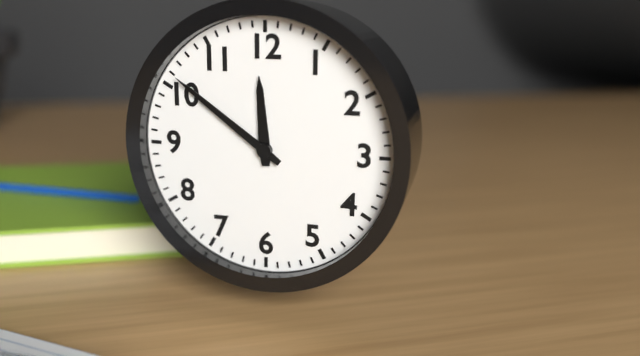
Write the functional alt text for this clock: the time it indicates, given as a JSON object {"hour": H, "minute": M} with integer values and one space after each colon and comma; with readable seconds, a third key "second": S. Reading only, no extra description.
{"hour": 11, "minute": 51}
